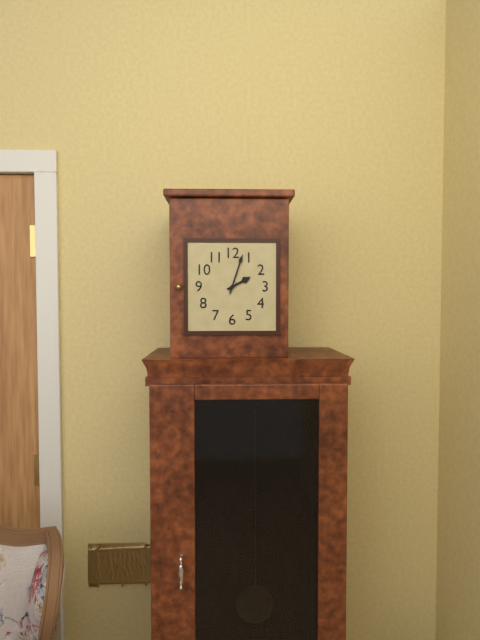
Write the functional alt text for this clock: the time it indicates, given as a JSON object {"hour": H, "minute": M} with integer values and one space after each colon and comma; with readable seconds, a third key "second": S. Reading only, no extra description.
{"hour": 2, "minute": 3}
